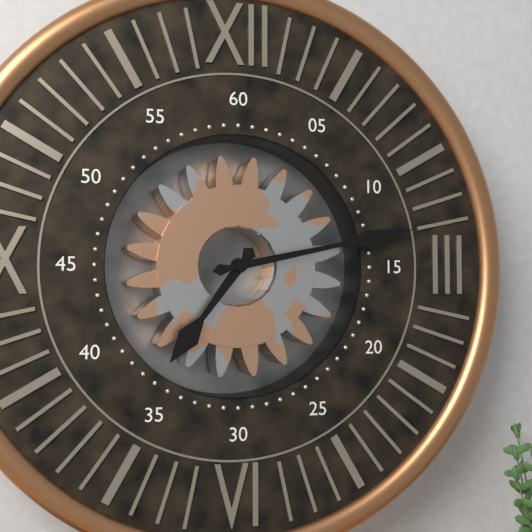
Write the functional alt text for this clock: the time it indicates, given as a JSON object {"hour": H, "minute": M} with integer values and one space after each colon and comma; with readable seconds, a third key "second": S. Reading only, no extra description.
{"hour": 7, "minute": 13}
